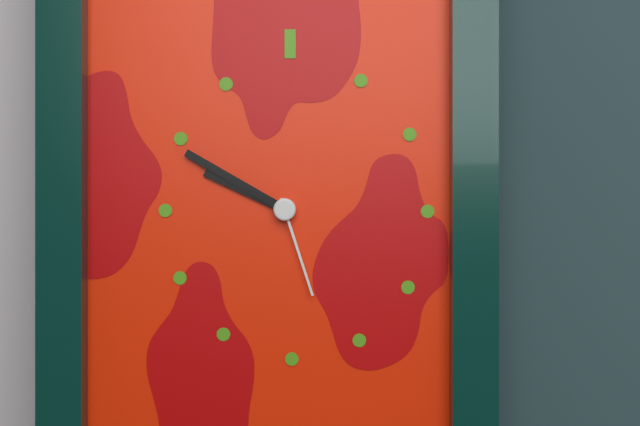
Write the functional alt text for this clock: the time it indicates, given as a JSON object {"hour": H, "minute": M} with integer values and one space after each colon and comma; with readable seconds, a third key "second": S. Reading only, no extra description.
{"hour": 9, "minute": 50, "second": 27}
